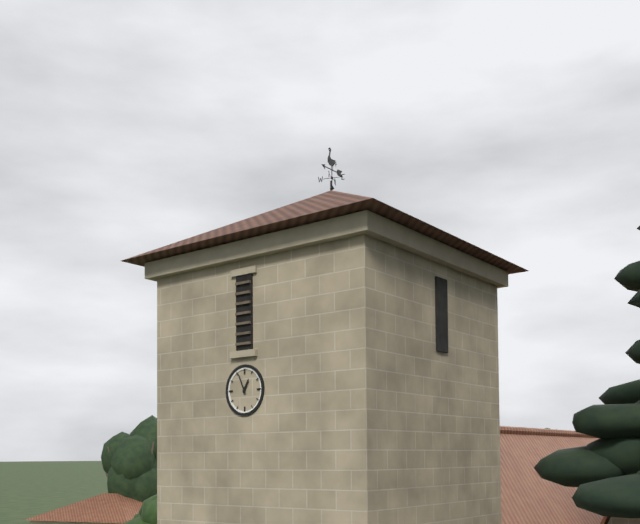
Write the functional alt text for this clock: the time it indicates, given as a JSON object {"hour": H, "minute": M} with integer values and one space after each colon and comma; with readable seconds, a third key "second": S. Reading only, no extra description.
{"hour": 12, "minute": 56}
